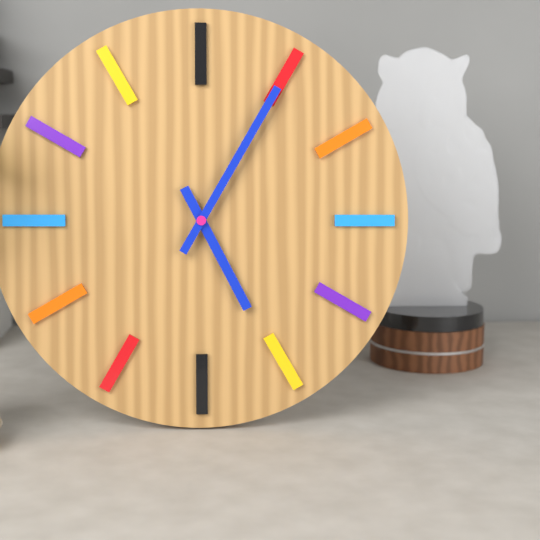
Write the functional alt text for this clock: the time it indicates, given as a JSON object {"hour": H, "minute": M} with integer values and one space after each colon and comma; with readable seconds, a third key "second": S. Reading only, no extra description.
{"hour": 5, "minute": 5}
